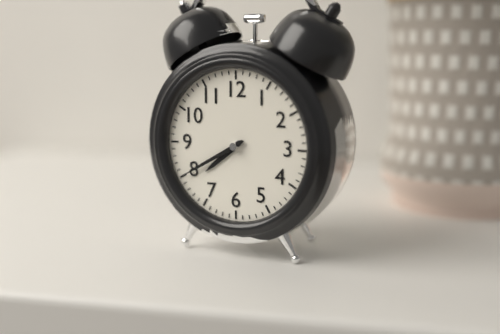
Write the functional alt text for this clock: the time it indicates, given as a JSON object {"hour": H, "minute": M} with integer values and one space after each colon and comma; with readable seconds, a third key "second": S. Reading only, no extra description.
{"hour": 7, "minute": 40}
